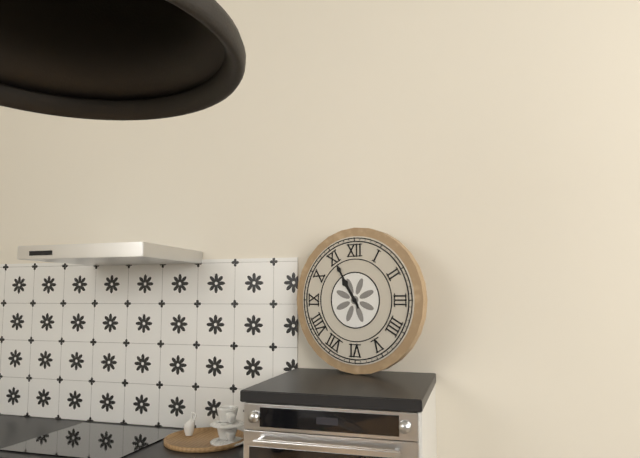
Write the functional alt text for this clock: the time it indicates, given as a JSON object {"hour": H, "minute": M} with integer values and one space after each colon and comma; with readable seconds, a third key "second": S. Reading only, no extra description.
{"hour": 10, "minute": 55}
